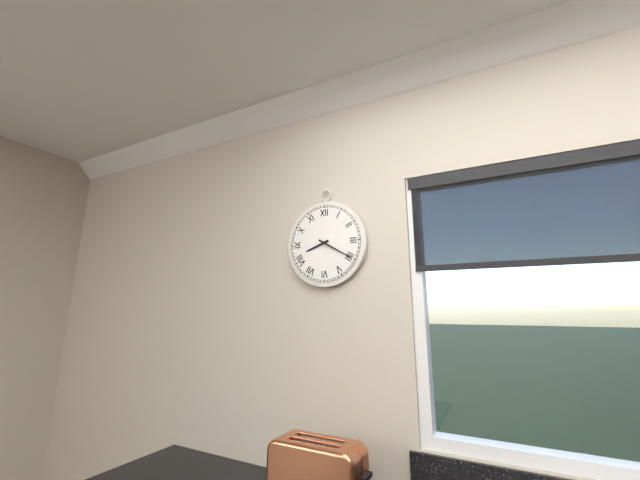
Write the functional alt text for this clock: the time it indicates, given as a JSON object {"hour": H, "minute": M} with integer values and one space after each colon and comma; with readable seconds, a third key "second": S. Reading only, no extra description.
{"hour": 8, "minute": 20}
